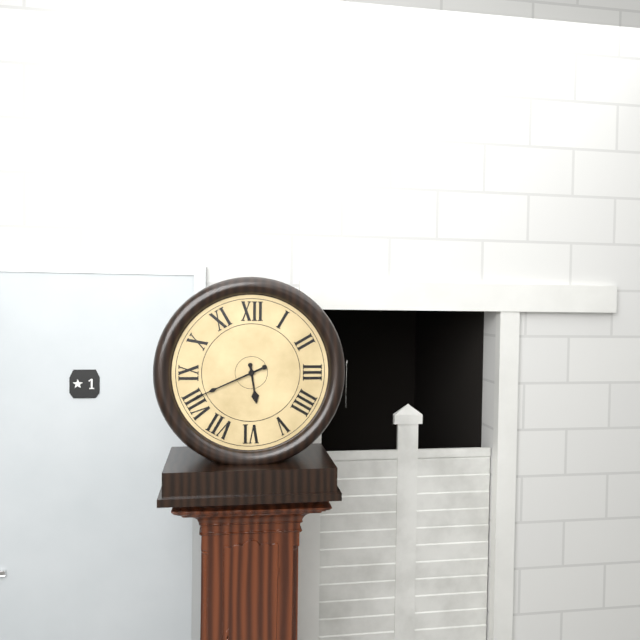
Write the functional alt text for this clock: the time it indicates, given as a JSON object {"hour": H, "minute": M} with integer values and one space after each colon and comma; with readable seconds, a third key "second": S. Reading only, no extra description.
{"hour": 5, "minute": 41}
